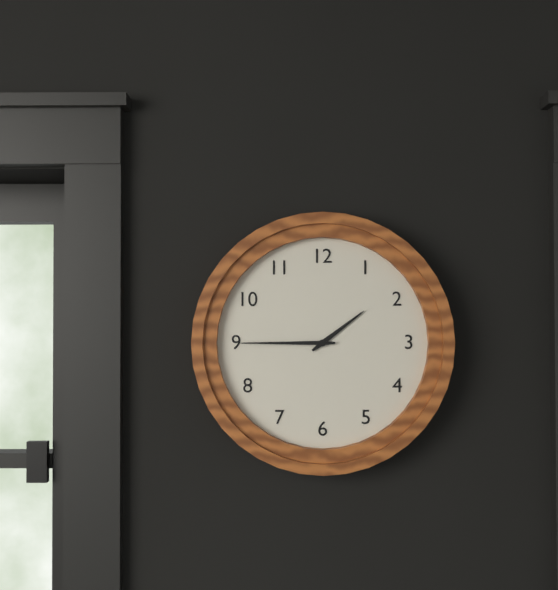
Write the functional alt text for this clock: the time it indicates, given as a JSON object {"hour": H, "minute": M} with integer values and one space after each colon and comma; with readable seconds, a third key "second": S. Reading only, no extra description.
{"hour": 1, "minute": 45}
